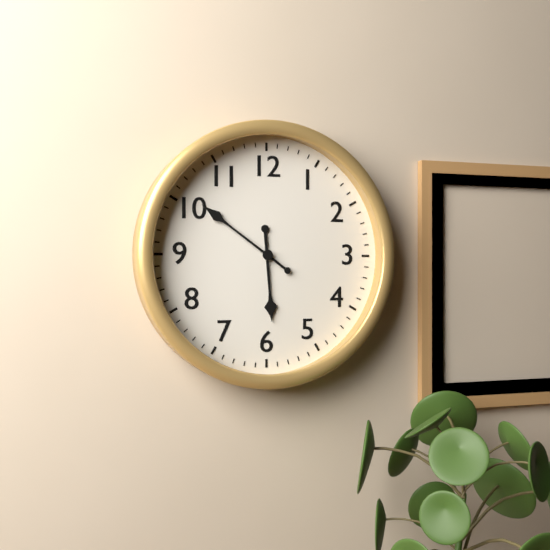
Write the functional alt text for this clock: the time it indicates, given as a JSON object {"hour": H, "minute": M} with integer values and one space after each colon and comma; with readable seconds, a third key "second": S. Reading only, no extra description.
{"hour": 5, "minute": 51}
